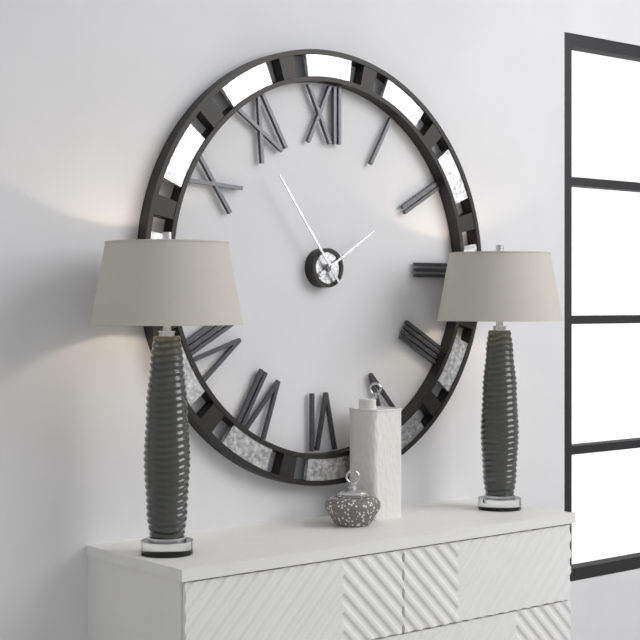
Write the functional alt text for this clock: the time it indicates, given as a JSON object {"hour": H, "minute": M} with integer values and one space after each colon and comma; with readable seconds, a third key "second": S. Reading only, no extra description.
{"hour": 1, "minute": 54}
